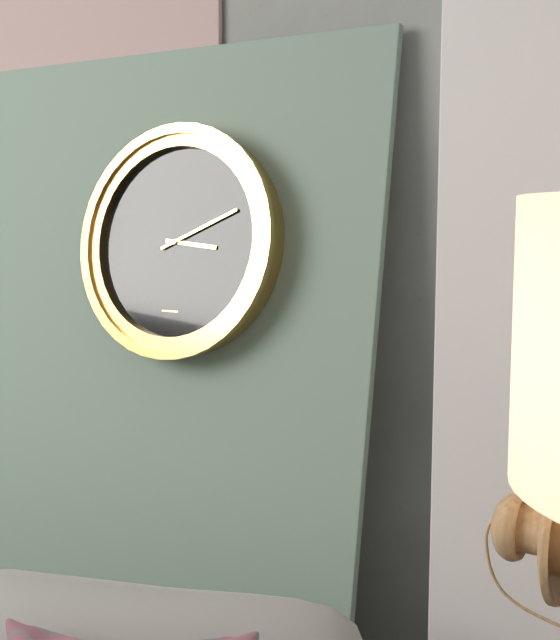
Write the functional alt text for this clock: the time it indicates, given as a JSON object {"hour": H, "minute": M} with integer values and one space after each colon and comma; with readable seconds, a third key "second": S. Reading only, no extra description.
{"hour": 3, "minute": 11}
